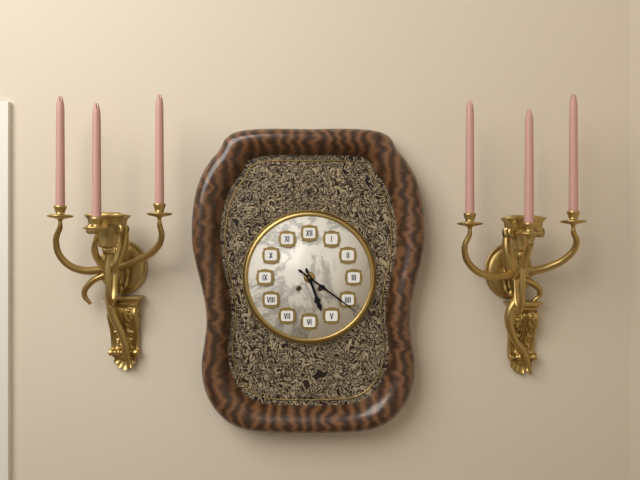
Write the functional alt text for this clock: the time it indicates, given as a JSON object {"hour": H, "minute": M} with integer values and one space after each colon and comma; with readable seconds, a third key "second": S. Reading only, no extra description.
{"hour": 5, "minute": 21}
